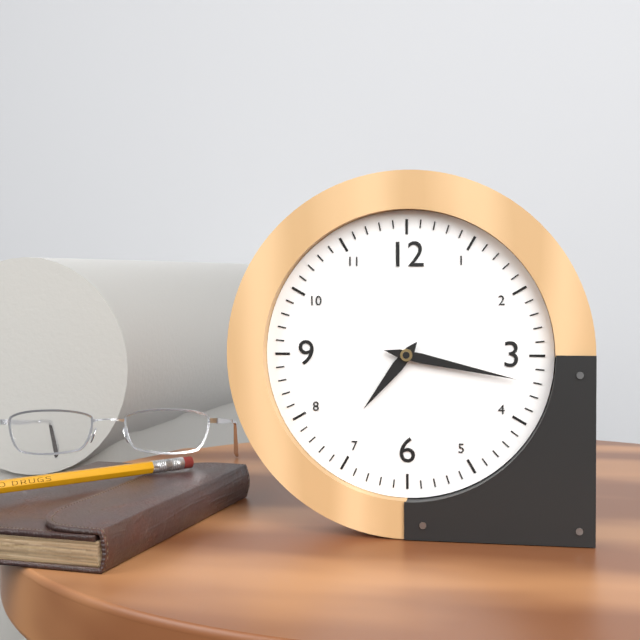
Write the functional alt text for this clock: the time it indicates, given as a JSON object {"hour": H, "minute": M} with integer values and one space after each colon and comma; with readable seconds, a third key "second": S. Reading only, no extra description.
{"hour": 7, "minute": 17}
